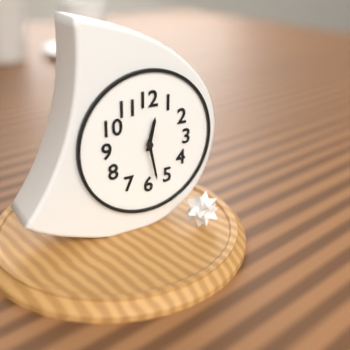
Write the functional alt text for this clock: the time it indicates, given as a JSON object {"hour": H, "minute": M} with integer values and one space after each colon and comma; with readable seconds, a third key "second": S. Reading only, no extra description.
{"hour": 12, "minute": 28}
